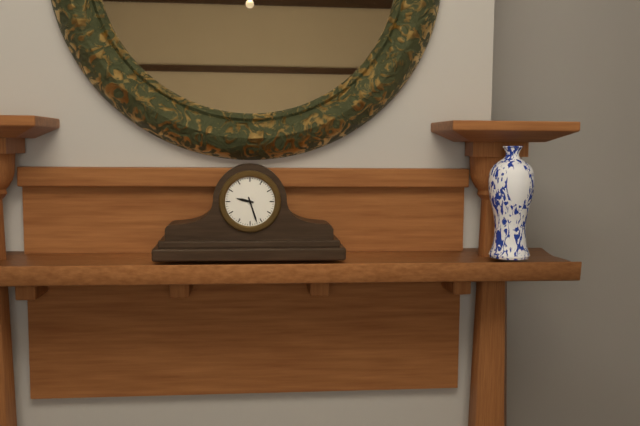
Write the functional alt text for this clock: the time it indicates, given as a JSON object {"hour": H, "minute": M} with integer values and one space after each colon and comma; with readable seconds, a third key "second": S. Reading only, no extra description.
{"hour": 9, "minute": 27}
